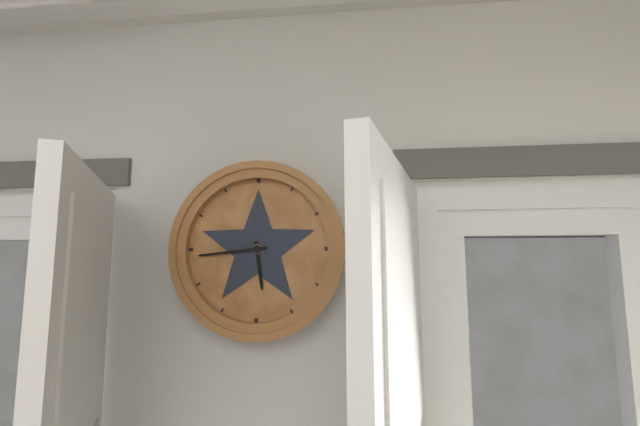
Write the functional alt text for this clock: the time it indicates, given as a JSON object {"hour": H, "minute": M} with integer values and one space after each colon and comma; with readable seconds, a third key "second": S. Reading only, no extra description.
{"hour": 5, "minute": 44}
